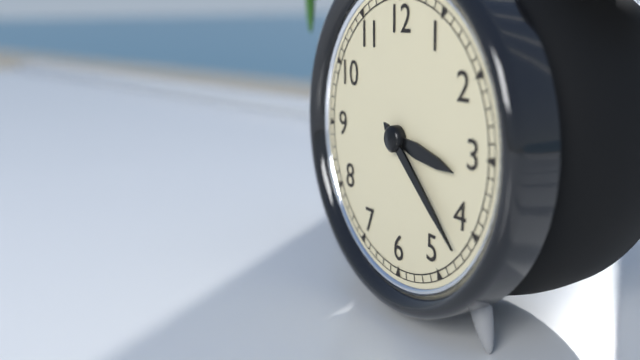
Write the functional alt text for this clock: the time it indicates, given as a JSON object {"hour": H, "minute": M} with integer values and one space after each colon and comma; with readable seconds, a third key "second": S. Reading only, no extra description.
{"hour": 3, "minute": 22}
